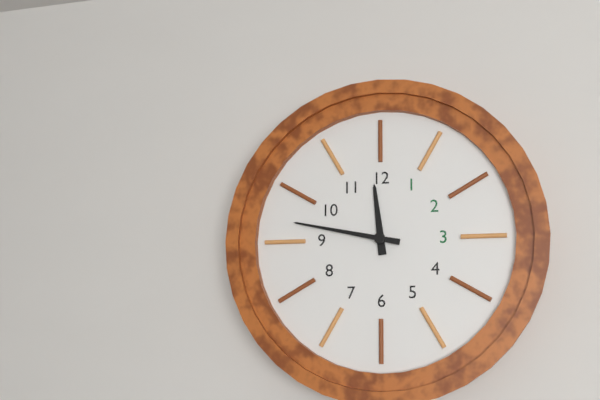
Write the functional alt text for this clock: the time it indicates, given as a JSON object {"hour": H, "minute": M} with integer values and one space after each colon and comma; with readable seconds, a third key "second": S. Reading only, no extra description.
{"hour": 11, "minute": 47}
